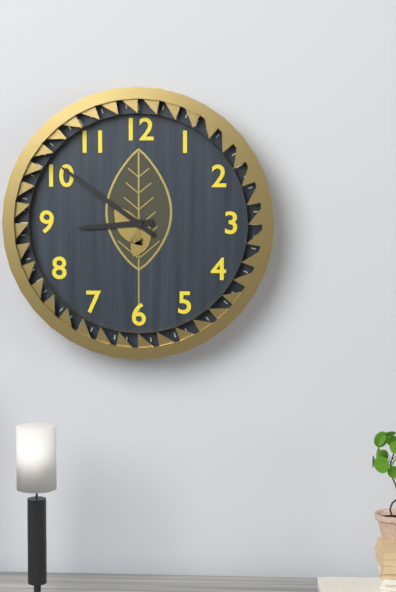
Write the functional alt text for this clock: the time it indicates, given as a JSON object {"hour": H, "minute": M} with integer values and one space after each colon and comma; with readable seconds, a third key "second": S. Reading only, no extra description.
{"hour": 8, "minute": 51}
